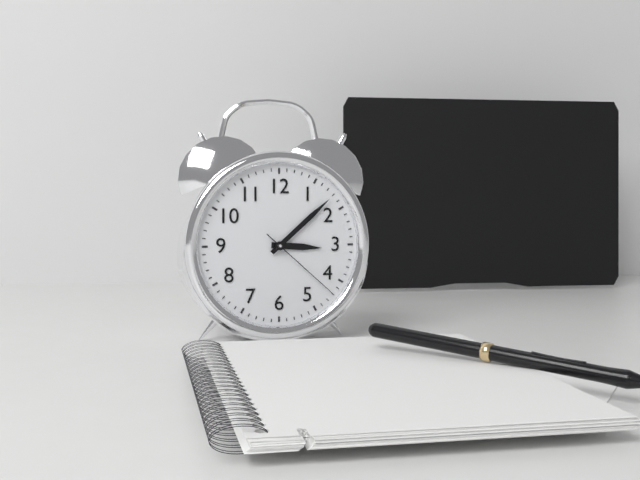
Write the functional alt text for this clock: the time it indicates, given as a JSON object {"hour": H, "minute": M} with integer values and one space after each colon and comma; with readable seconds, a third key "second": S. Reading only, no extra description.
{"hour": 3, "minute": 8, "second": 22}
